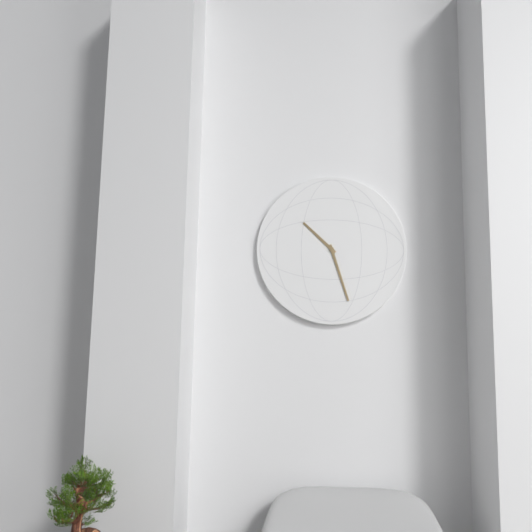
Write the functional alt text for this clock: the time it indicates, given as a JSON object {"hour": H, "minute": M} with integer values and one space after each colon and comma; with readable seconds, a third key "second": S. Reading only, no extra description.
{"hour": 10, "minute": 27}
